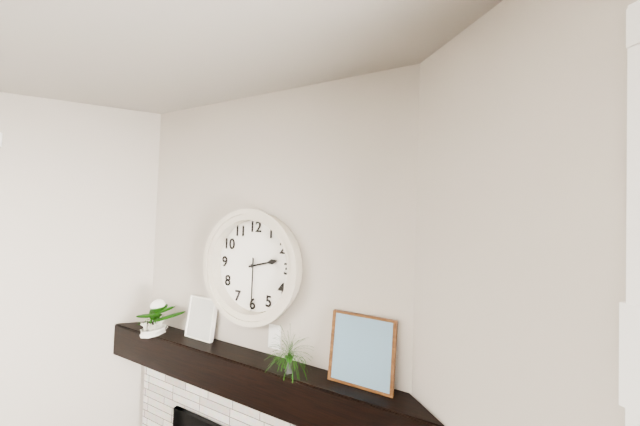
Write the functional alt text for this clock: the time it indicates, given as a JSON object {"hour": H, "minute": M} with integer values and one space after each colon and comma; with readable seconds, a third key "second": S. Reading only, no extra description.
{"hour": 2, "minute": 30}
